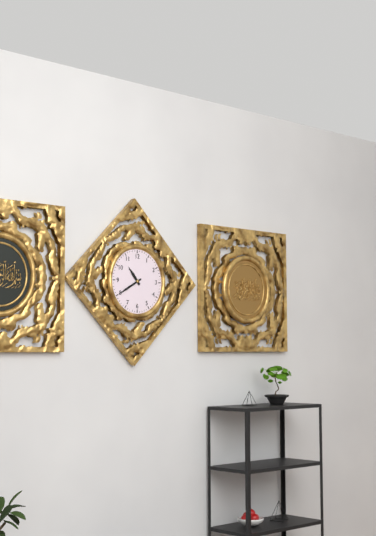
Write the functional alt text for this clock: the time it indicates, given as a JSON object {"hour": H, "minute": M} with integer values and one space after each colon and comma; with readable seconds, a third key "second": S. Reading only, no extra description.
{"hour": 10, "minute": 40}
